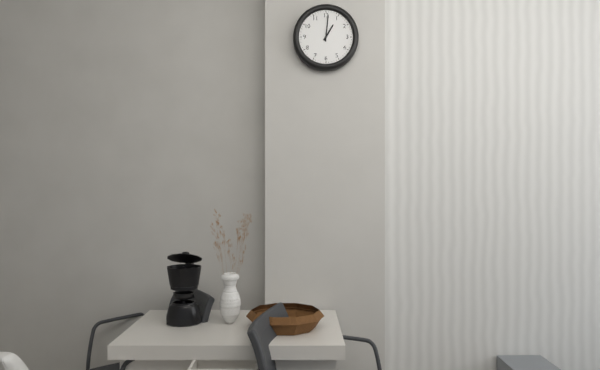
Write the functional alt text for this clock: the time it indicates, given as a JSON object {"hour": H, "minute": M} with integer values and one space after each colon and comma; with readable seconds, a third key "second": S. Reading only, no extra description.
{"hour": 1, "minute": 1}
